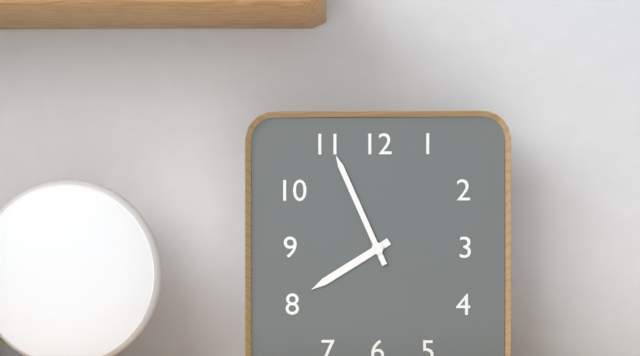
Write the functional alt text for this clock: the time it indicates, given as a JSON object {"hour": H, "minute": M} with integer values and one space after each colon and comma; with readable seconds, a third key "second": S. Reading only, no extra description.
{"hour": 7, "minute": 56}
